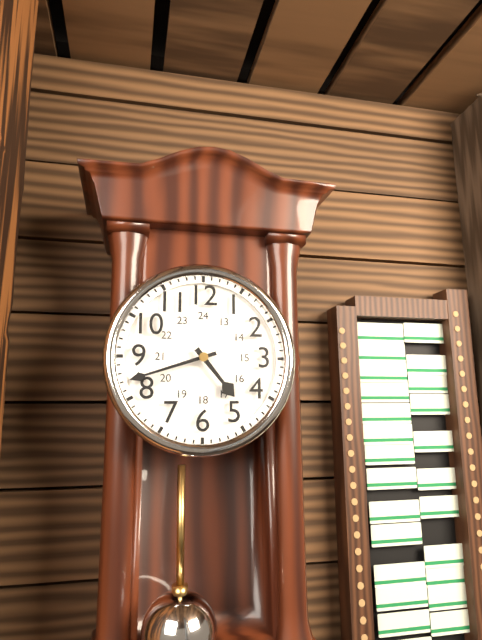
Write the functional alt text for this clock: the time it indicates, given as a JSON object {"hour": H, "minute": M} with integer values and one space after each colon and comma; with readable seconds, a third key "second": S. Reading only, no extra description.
{"hour": 4, "minute": 42}
